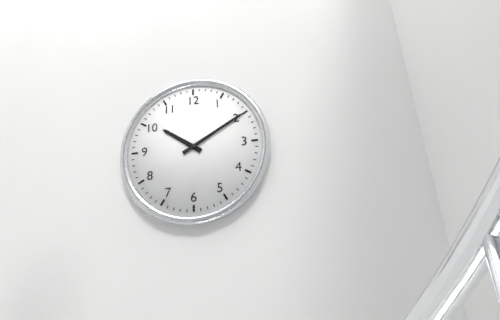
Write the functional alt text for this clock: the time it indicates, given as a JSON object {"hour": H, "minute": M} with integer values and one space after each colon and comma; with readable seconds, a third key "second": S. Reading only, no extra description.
{"hour": 10, "minute": 10}
